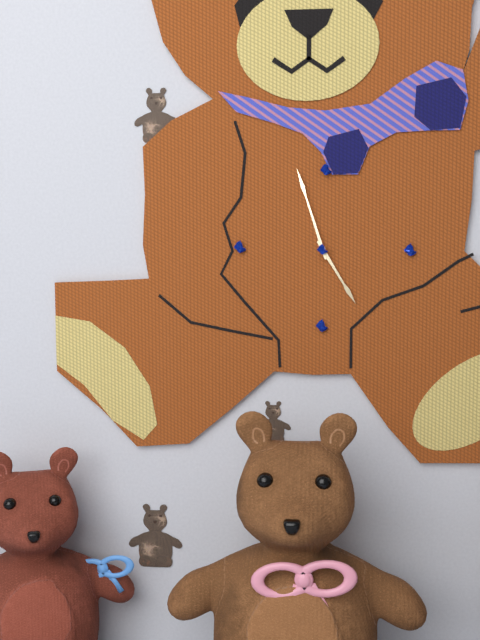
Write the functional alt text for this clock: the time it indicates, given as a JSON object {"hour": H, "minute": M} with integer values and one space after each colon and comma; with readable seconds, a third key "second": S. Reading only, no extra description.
{"hour": 4, "minute": 57}
